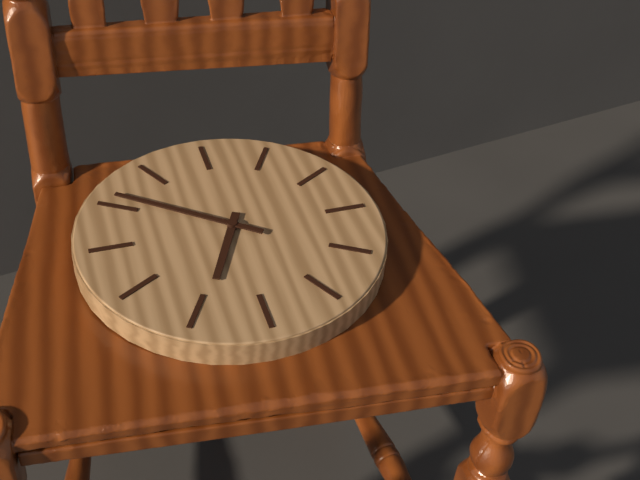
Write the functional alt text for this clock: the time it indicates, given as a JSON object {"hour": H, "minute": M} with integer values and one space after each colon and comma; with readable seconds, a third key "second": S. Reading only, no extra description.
{"hour": 6, "minute": 51}
